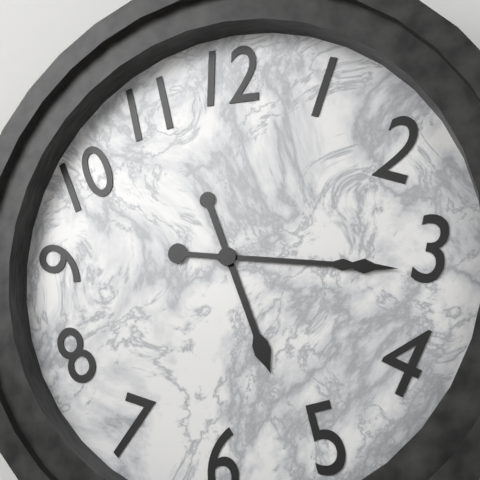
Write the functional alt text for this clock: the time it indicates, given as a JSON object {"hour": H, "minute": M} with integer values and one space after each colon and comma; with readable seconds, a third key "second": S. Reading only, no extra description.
{"hour": 5, "minute": 16}
